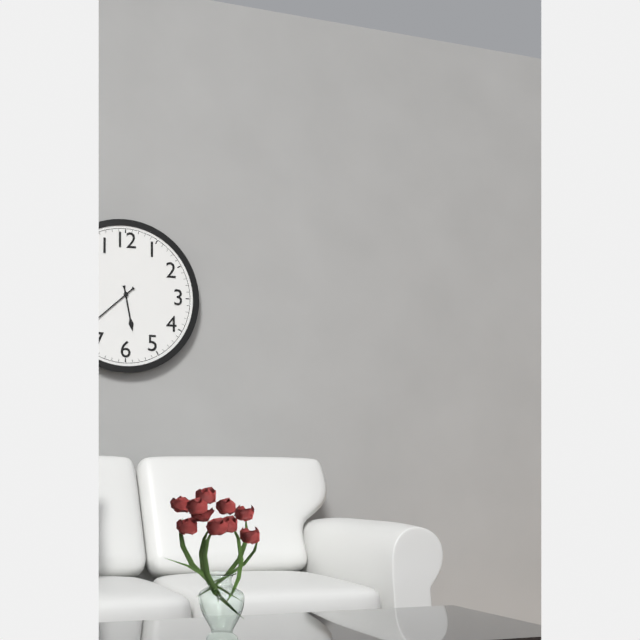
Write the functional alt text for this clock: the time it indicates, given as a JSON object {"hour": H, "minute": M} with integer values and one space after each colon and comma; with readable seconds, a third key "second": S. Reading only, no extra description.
{"hour": 5, "minute": 38}
